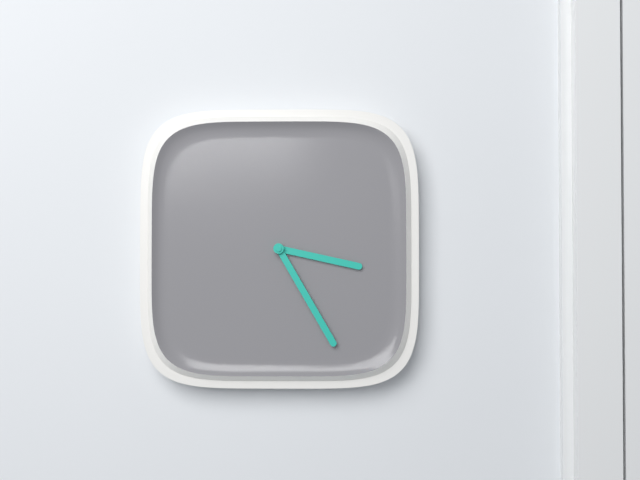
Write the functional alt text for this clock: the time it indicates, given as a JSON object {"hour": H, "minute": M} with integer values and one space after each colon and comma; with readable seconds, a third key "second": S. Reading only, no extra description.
{"hour": 3, "minute": 25}
